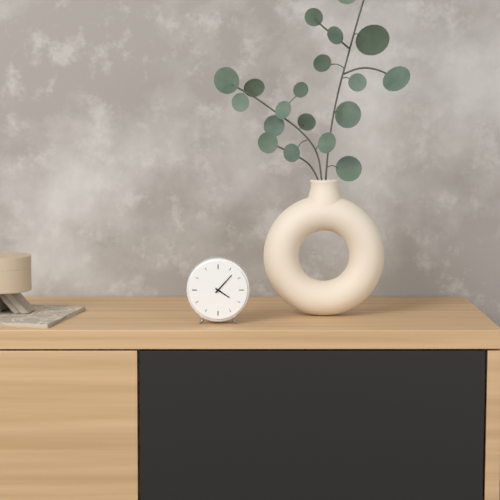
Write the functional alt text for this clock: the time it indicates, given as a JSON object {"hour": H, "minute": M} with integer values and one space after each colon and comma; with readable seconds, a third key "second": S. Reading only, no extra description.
{"hour": 4, "minute": 7}
